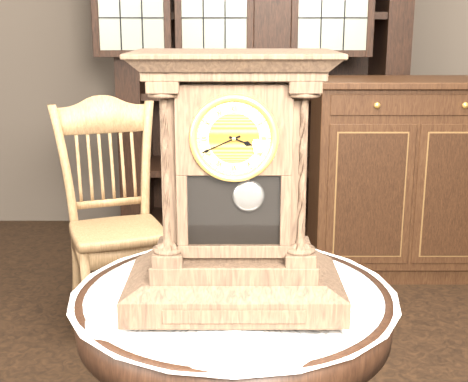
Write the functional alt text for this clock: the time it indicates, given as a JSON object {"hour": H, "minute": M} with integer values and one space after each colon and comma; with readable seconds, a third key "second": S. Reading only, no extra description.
{"hour": 3, "minute": 41}
